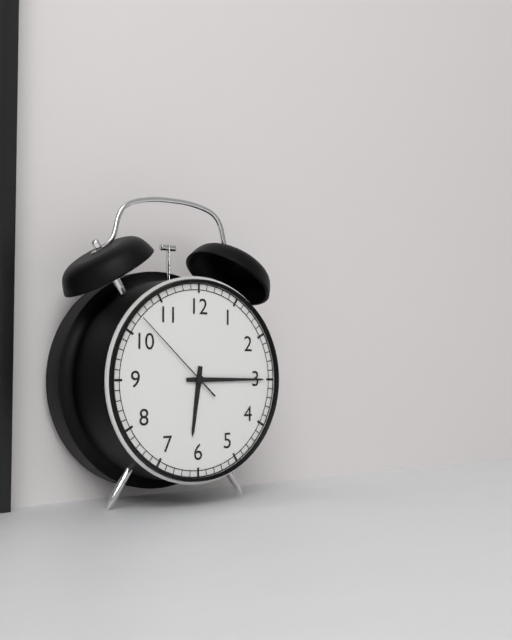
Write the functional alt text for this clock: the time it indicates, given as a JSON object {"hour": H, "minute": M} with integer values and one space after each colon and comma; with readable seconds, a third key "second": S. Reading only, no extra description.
{"hour": 6, "minute": 15, "second": 52}
